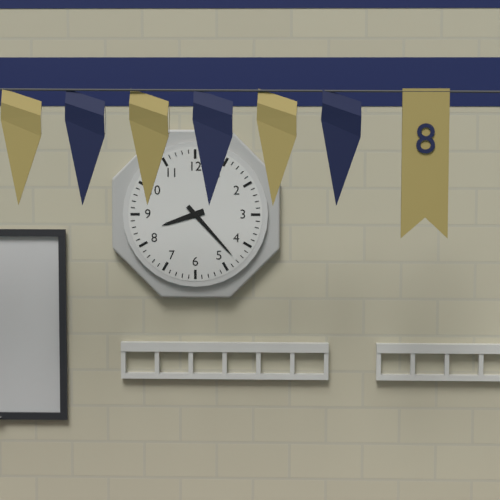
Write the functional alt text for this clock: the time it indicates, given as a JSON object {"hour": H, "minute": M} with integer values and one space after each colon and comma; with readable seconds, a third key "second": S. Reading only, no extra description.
{"hour": 8, "minute": 23}
